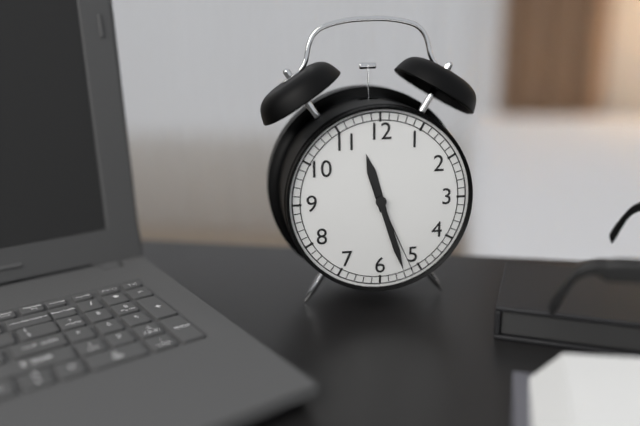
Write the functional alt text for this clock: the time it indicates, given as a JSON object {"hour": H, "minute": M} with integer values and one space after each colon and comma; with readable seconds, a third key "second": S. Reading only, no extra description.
{"hour": 11, "minute": 27, "second": 26}
